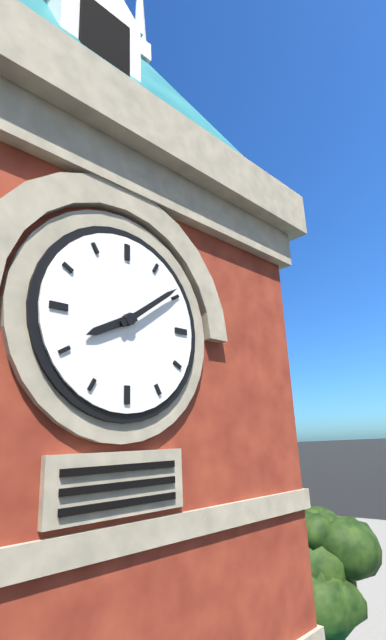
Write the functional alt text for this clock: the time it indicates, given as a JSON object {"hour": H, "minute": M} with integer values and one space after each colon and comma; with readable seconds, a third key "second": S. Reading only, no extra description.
{"hour": 8, "minute": 9}
